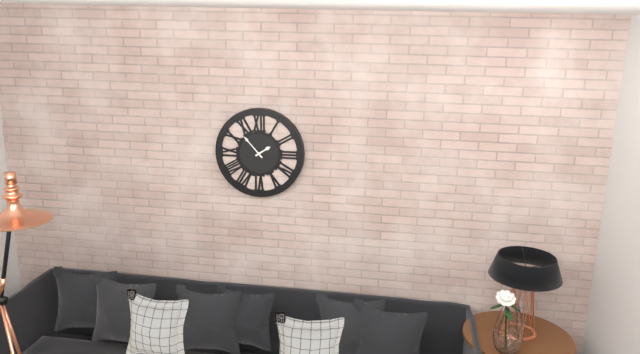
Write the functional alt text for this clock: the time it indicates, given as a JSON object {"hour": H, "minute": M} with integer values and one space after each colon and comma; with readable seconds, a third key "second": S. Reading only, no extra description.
{"hour": 1, "minute": 53}
